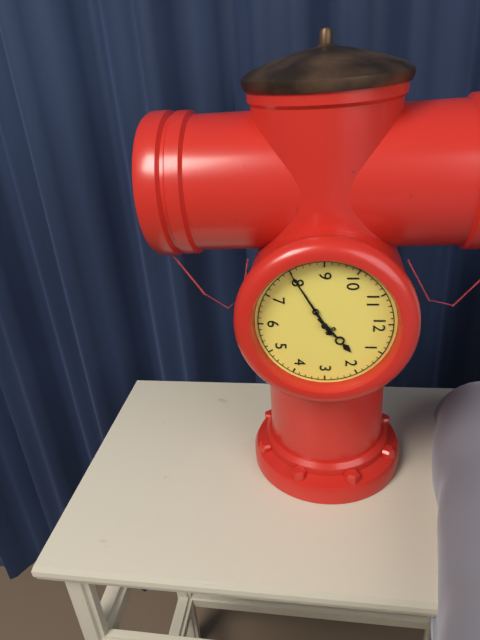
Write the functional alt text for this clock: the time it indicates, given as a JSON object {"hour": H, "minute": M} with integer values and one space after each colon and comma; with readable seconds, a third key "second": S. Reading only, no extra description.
{"hour": 1, "minute": 40}
